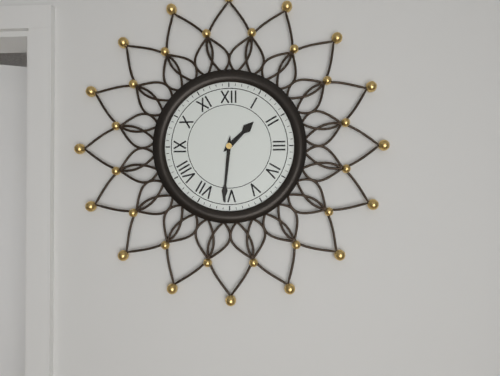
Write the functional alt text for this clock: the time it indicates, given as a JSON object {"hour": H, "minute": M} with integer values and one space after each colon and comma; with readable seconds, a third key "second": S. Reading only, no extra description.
{"hour": 1, "minute": 31}
